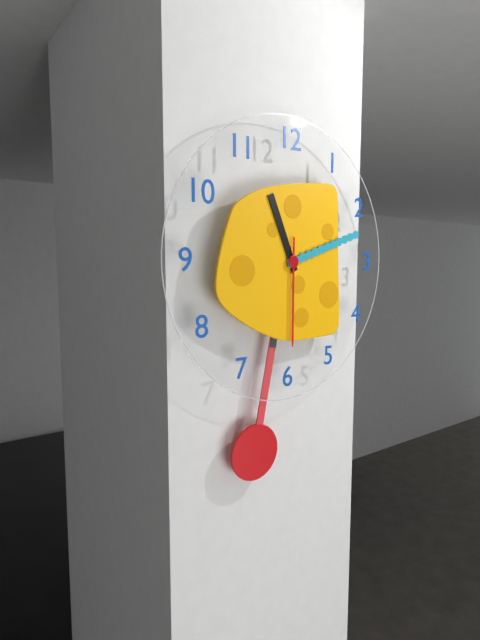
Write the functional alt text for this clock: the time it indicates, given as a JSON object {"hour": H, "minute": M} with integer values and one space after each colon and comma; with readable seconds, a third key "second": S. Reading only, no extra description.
{"hour": 11, "minute": 12, "second": 30}
